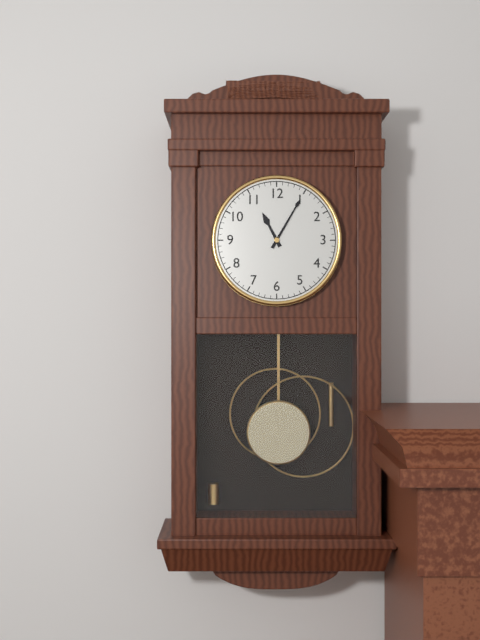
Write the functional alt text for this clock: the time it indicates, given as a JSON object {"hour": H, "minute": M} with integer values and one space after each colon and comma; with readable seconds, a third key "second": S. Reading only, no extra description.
{"hour": 11, "minute": 5}
